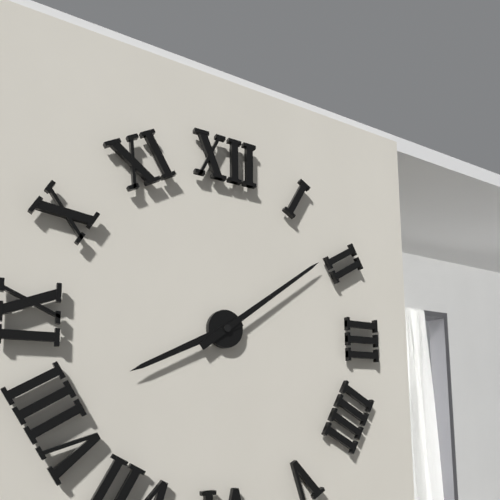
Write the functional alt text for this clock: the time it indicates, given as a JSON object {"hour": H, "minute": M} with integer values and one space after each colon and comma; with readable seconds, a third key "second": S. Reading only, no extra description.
{"hour": 8, "minute": 9}
